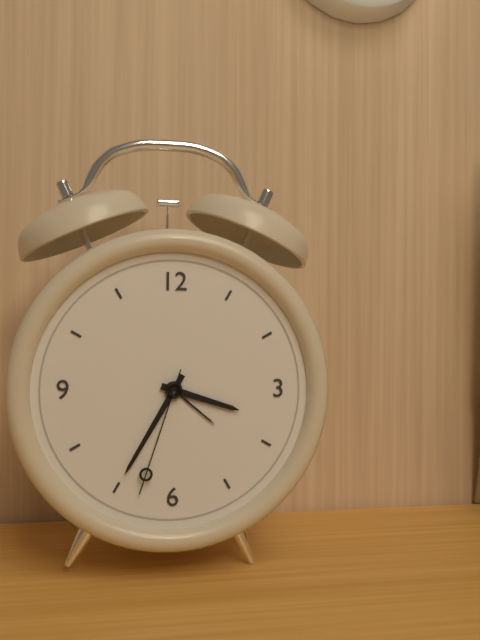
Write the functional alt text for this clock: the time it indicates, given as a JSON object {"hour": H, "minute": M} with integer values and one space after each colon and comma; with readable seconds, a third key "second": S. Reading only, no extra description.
{"hour": 3, "minute": 35, "second": 33}
